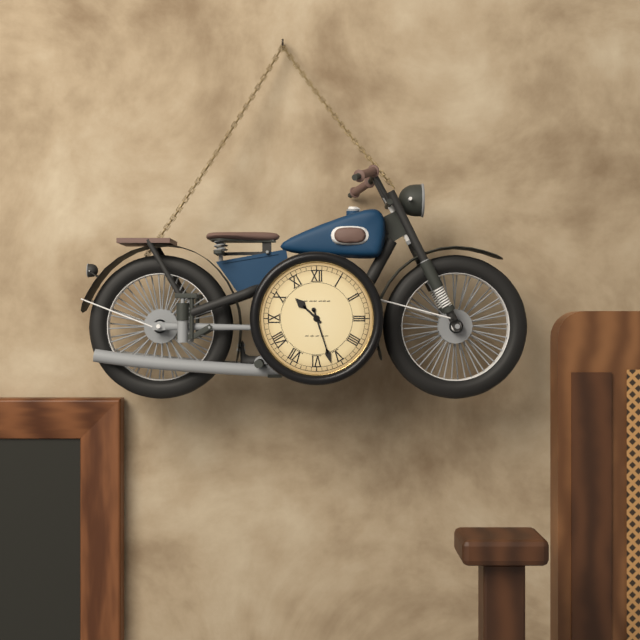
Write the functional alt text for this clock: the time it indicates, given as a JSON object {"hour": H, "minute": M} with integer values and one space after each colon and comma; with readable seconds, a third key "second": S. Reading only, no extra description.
{"hour": 10, "minute": 27}
